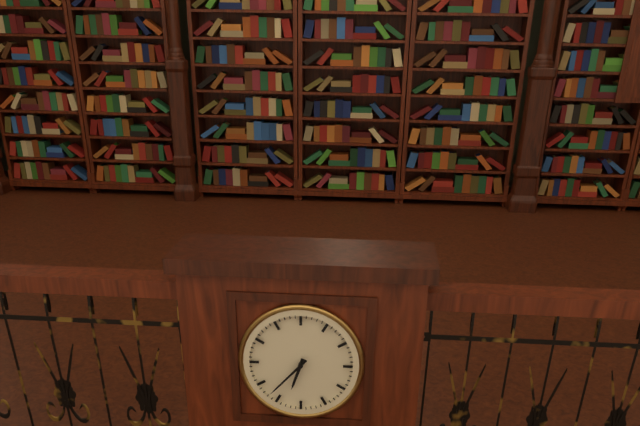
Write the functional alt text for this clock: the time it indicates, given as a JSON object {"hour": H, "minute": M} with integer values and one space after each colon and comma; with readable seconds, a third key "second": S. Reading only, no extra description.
{"hour": 6, "minute": 37}
